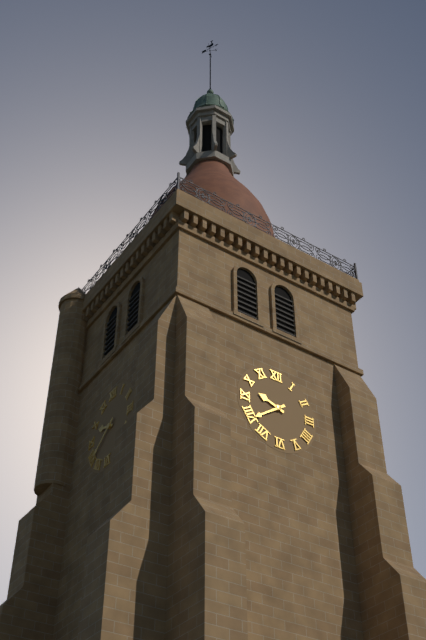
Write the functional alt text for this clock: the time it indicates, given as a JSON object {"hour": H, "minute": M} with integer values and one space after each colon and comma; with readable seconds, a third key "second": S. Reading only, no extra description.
{"hour": 9, "minute": 39}
